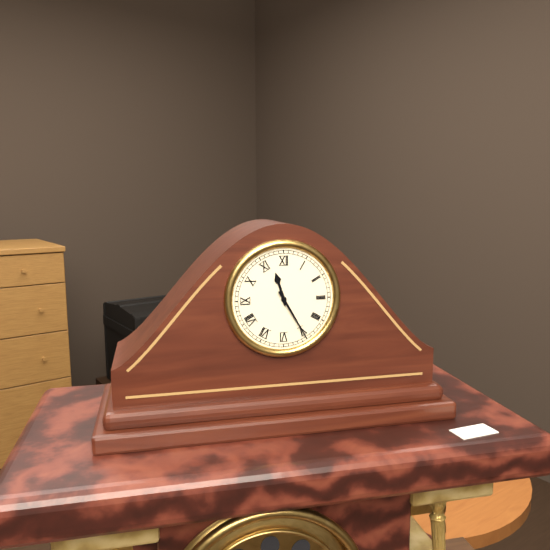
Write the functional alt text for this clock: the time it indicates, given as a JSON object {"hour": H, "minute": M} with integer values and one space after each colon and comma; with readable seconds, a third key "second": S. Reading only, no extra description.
{"hour": 11, "minute": 25}
